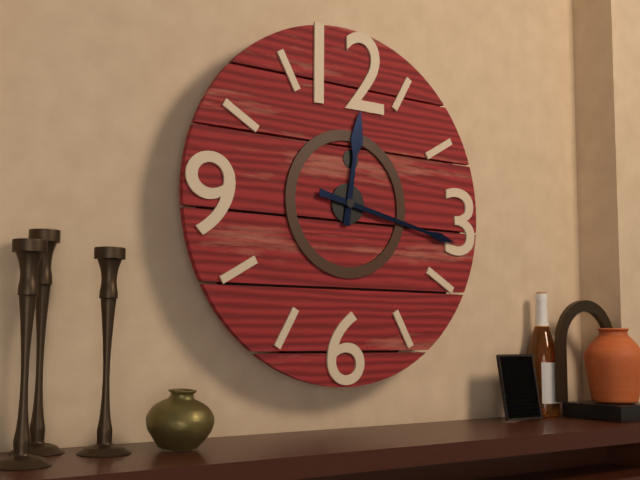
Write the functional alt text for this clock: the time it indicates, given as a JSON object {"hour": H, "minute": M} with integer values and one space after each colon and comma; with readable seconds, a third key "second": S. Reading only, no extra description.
{"hour": 12, "minute": 17}
